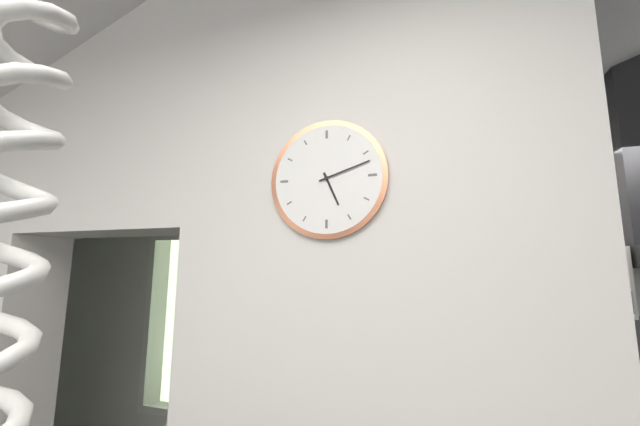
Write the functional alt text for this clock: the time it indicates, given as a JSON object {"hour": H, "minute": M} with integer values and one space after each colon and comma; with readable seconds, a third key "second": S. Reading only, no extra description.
{"hour": 5, "minute": 12}
